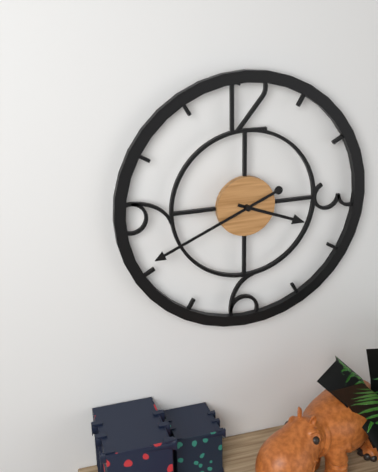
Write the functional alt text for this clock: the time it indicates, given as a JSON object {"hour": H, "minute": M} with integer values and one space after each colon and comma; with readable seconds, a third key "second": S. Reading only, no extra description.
{"hour": 3, "minute": 41}
